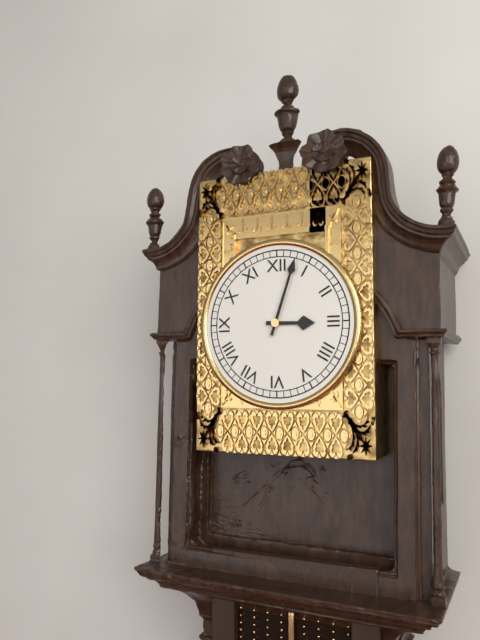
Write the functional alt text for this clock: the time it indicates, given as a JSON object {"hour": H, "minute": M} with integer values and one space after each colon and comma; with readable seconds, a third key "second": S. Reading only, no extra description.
{"hour": 3, "minute": 3}
